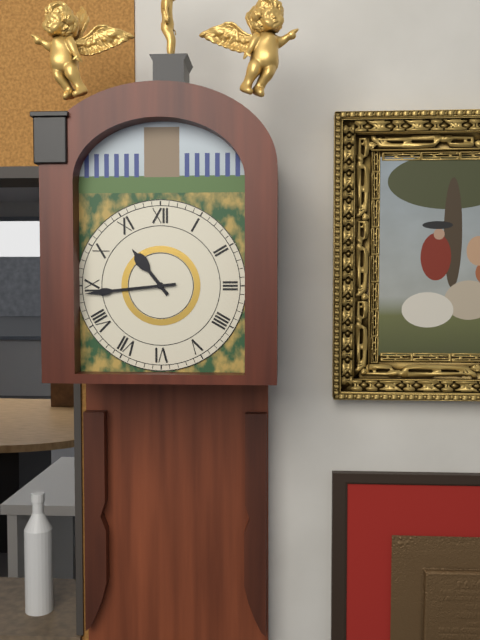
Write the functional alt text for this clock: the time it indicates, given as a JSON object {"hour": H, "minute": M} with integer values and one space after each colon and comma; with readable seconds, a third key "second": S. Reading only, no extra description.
{"hour": 10, "minute": 44}
